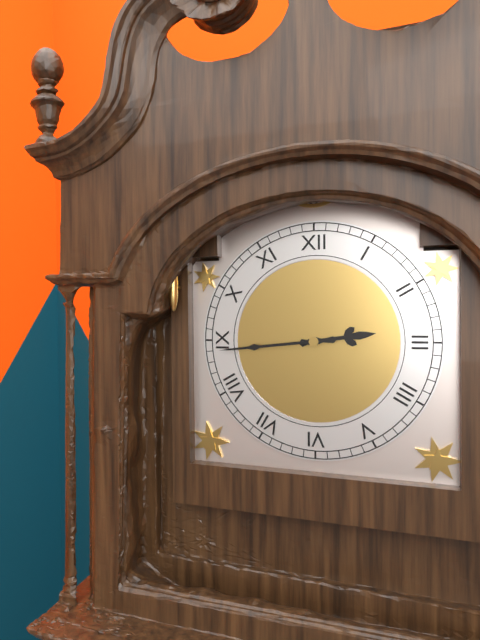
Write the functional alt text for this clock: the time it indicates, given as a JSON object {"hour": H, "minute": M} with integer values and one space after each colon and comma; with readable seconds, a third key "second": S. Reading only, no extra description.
{"hour": 2, "minute": 44}
